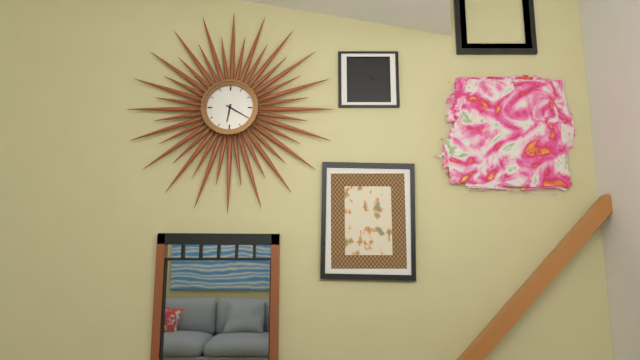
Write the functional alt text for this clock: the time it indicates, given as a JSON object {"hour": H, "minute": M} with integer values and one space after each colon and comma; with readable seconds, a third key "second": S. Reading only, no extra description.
{"hour": 6, "minute": 20}
